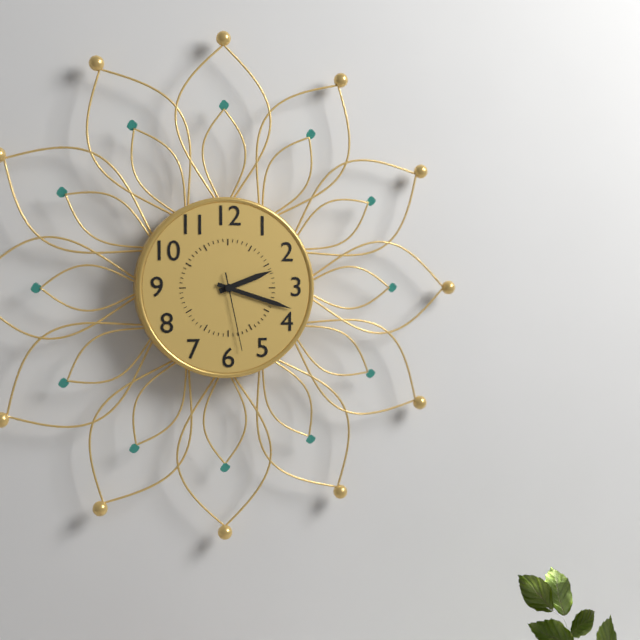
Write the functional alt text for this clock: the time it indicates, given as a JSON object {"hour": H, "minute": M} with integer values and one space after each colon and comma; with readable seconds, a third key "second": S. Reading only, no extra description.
{"hour": 2, "minute": 18, "second": 28}
